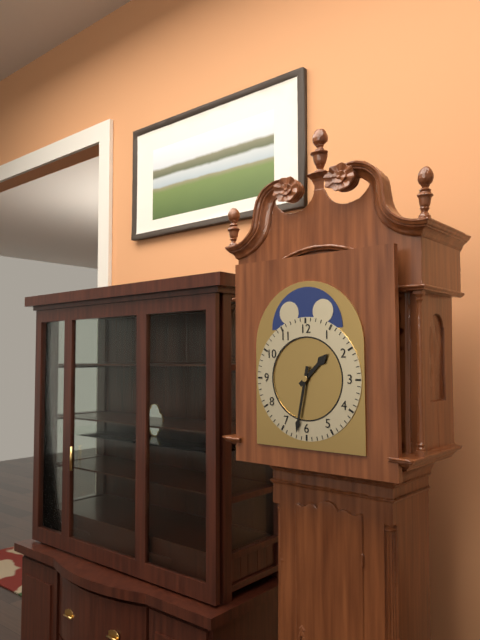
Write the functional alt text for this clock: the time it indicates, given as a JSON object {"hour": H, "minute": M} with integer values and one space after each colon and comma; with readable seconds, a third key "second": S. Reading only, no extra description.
{"hour": 1, "minute": 32}
